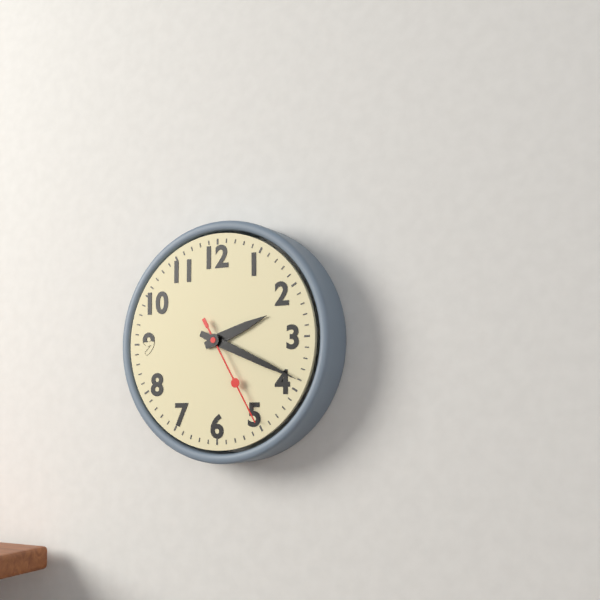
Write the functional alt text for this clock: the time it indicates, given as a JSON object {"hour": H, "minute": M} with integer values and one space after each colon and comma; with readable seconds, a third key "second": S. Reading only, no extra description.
{"hour": 2, "minute": 19, "second": 25}
